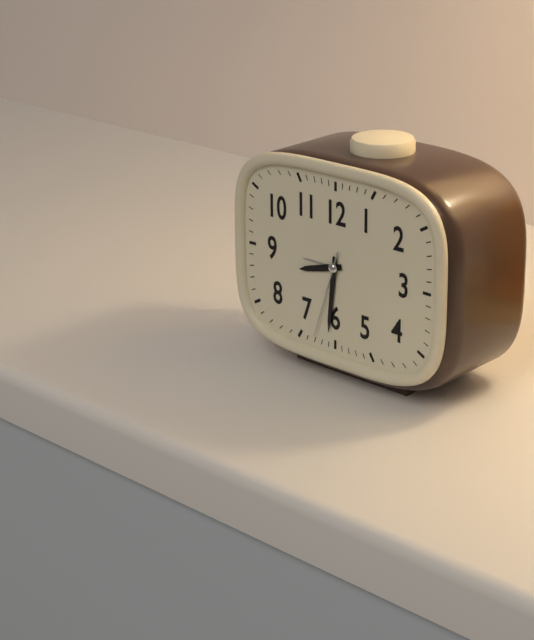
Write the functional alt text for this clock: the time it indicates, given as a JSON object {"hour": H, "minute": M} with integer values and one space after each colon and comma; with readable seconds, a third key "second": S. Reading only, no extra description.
{"hour": 8, "minute": 31, "second": 33}
